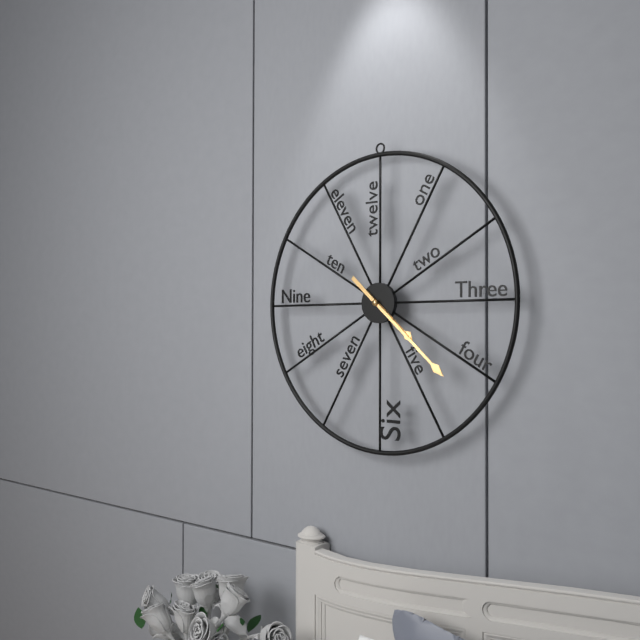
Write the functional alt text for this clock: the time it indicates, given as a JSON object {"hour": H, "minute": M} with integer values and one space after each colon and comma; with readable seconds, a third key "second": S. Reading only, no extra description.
{"hour": 4, "minute": 22}
